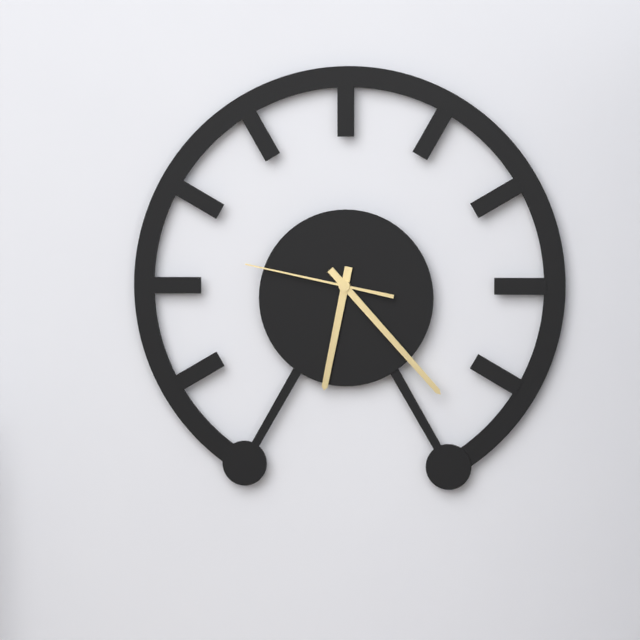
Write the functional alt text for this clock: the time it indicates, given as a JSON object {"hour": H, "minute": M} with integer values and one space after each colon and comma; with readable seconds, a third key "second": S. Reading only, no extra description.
{"hour": 6, "minute": 23, "second": 47}
